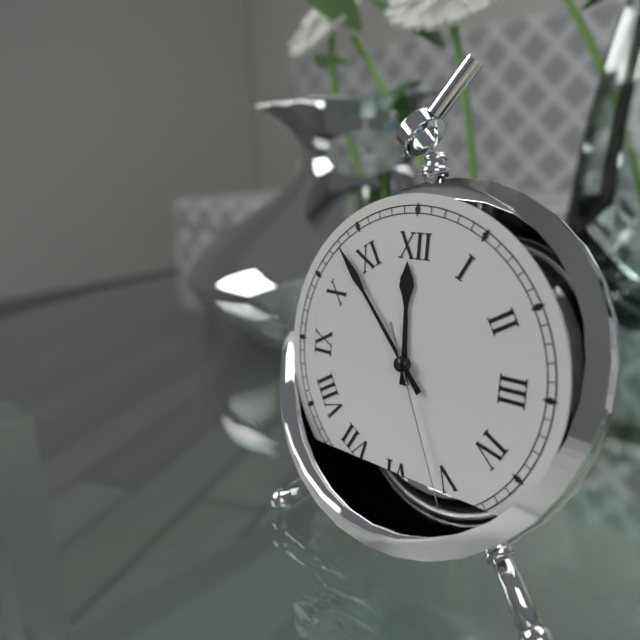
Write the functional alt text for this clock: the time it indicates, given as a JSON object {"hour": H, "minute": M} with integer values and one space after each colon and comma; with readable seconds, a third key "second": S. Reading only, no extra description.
{"hour": 11, "minute": 53, "second": 26}
